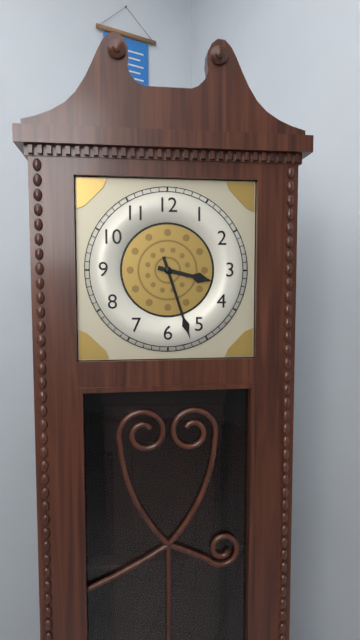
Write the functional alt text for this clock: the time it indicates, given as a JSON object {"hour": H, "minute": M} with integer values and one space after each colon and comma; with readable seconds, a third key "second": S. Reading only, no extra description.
{"hour": 3, "minute": 27}
